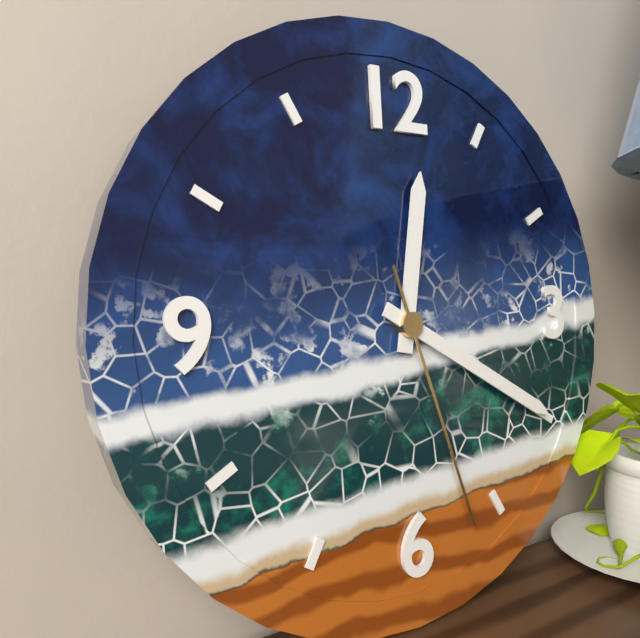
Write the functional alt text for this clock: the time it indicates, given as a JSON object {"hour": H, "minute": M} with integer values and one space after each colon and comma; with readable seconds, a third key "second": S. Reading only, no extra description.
{"hour": 12, "minute": 20, "second": 27}
